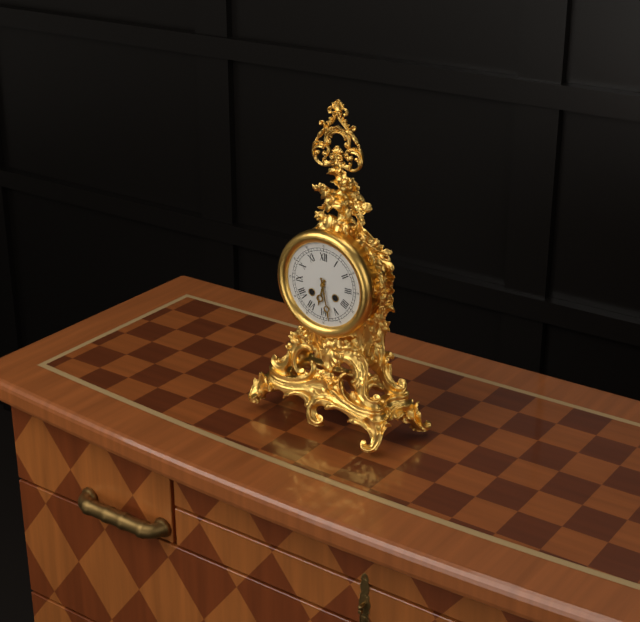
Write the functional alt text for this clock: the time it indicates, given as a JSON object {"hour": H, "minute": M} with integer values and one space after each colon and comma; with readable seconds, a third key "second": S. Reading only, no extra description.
{"hour": 6, "minute": 28}
